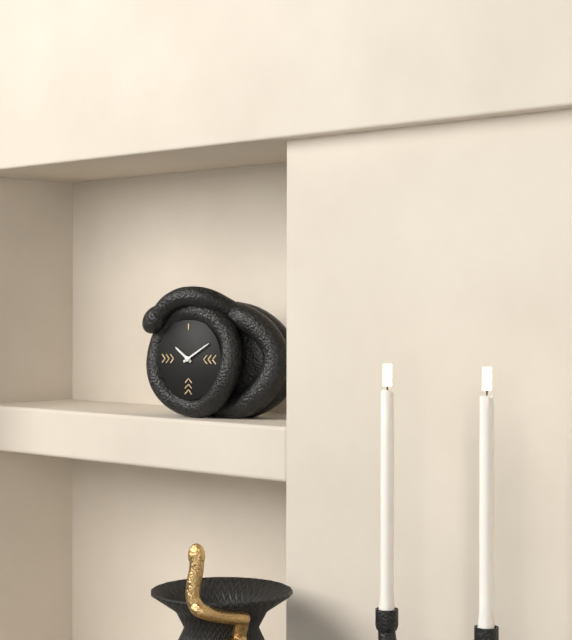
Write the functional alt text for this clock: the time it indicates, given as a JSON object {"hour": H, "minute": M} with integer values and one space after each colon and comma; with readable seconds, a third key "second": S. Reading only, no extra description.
{"hour": 10, "minute": 10}
